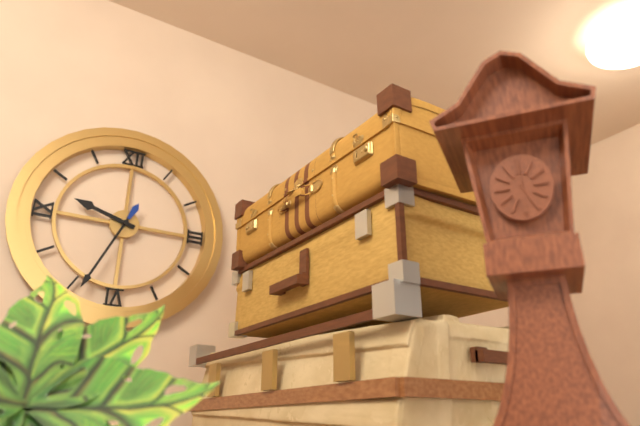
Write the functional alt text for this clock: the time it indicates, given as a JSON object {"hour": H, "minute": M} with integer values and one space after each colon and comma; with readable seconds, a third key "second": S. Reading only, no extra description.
{"hour": 9, "minute": 34}
